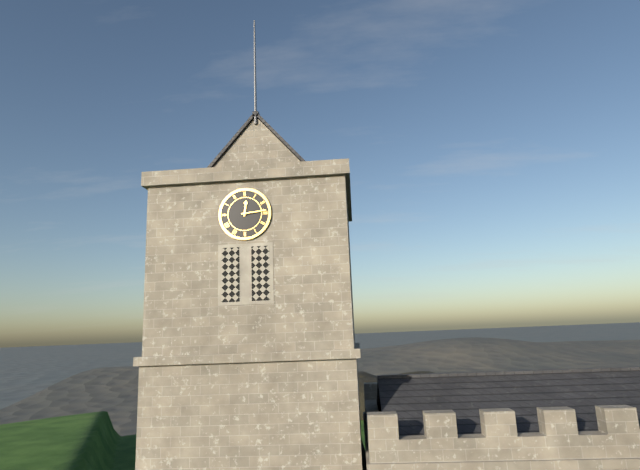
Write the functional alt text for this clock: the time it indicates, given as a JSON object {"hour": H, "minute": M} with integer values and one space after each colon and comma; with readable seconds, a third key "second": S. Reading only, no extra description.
{"hour": 12, "minute": 14}
